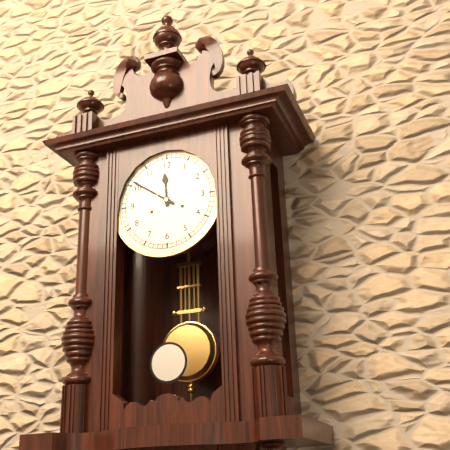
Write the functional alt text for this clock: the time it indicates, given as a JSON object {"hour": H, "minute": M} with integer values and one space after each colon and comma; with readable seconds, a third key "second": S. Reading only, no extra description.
{"hour": 11, "minute": 51}
